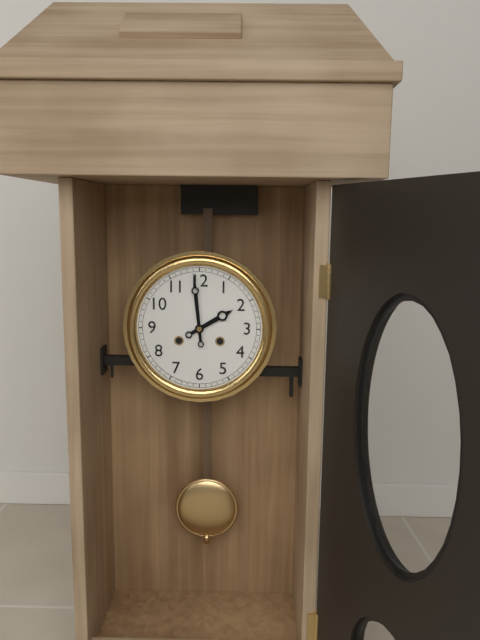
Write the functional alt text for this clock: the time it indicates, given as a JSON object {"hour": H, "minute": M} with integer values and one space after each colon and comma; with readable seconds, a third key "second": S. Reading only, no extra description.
{"hour": 1, "minute": 59}
